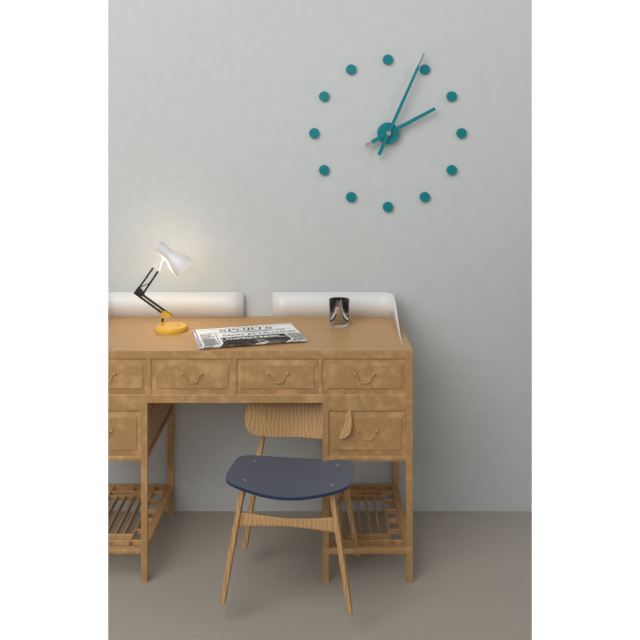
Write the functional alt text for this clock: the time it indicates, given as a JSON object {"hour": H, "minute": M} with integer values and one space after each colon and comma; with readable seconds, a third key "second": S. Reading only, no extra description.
{"hour": 2, "minute": 4}
